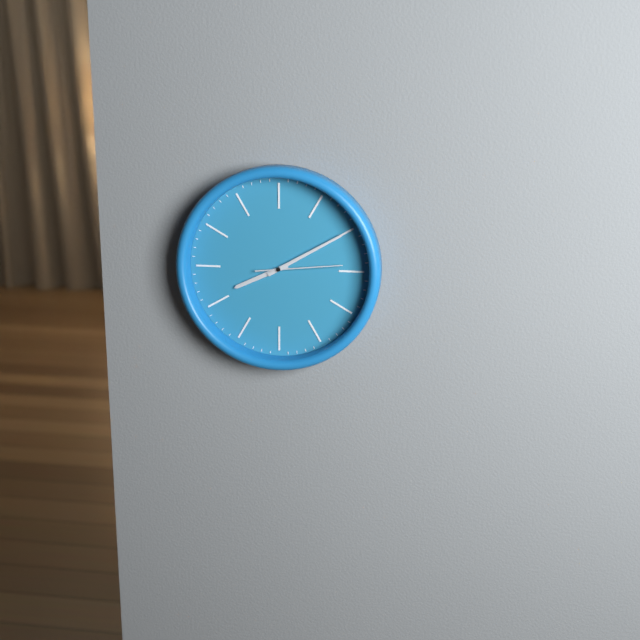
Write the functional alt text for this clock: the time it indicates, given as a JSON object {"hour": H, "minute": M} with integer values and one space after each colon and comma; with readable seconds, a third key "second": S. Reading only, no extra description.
{"hour": 8, "minute": 10, "second": 14}
